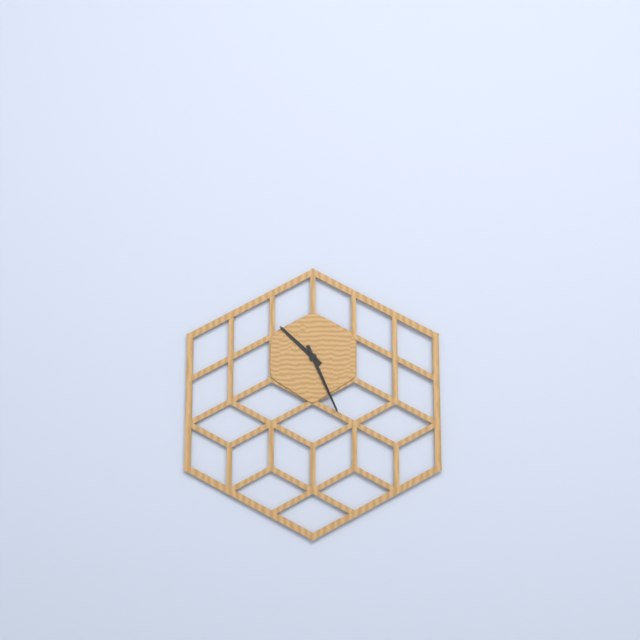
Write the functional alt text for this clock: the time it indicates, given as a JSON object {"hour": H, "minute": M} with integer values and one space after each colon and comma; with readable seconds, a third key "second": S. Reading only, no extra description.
{"hour": 10, "minute": 26}
